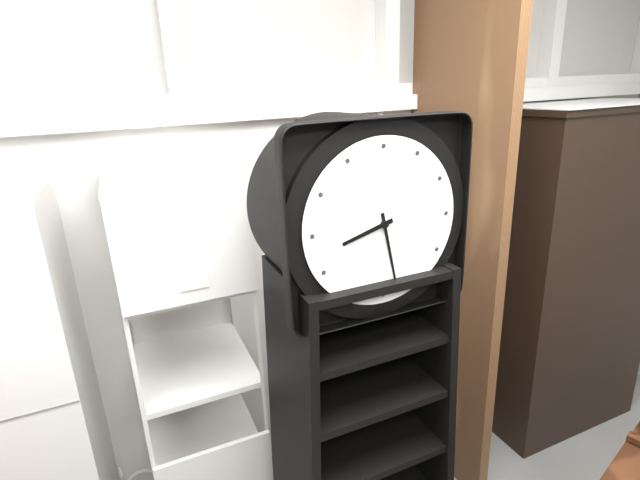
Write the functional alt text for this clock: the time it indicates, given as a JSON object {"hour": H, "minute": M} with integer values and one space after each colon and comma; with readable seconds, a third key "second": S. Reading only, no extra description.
{"hour": 8, "minute": 28}
